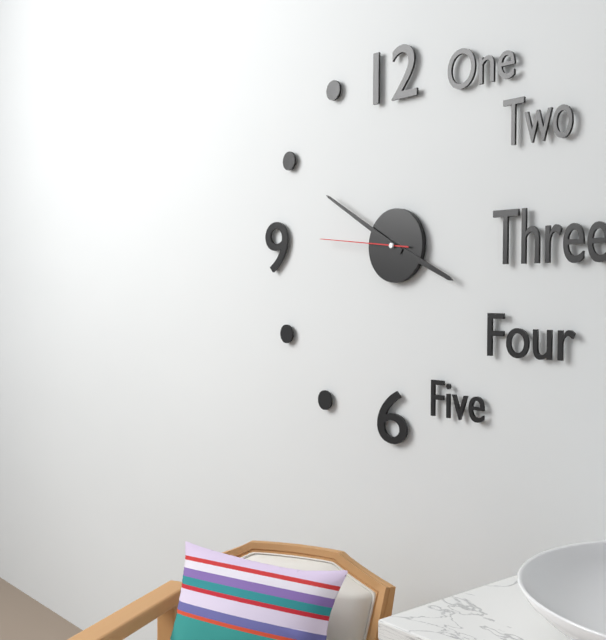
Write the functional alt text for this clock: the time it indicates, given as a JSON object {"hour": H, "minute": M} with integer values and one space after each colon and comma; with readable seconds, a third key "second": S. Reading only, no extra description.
{"hour": 3, "minute": 50, "second": 46}
